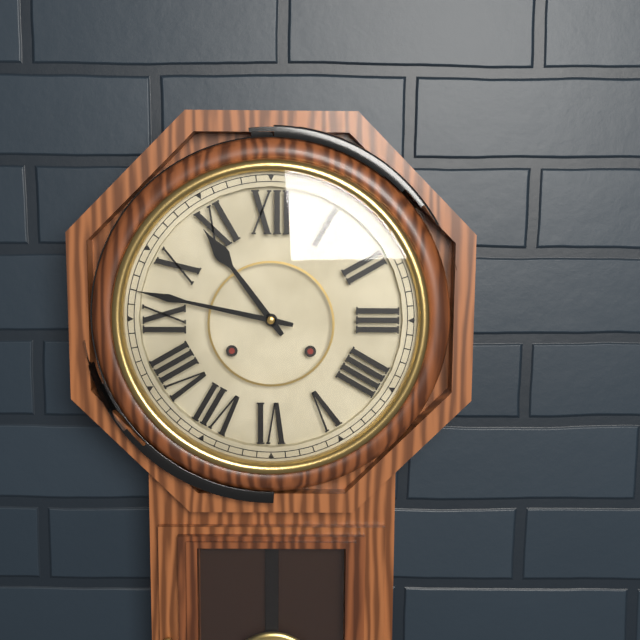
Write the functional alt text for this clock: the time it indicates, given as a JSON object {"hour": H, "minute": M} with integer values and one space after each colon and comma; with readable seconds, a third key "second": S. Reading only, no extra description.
{"hour": 10, "minute": 47}
